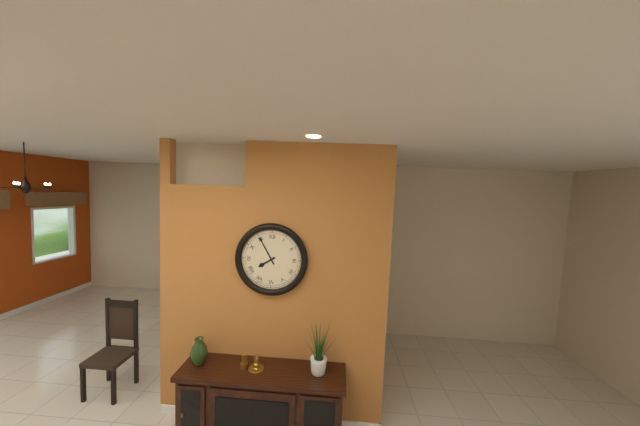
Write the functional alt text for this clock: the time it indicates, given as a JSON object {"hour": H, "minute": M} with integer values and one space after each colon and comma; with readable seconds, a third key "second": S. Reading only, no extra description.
{"hour": 7, "minute": 55}
